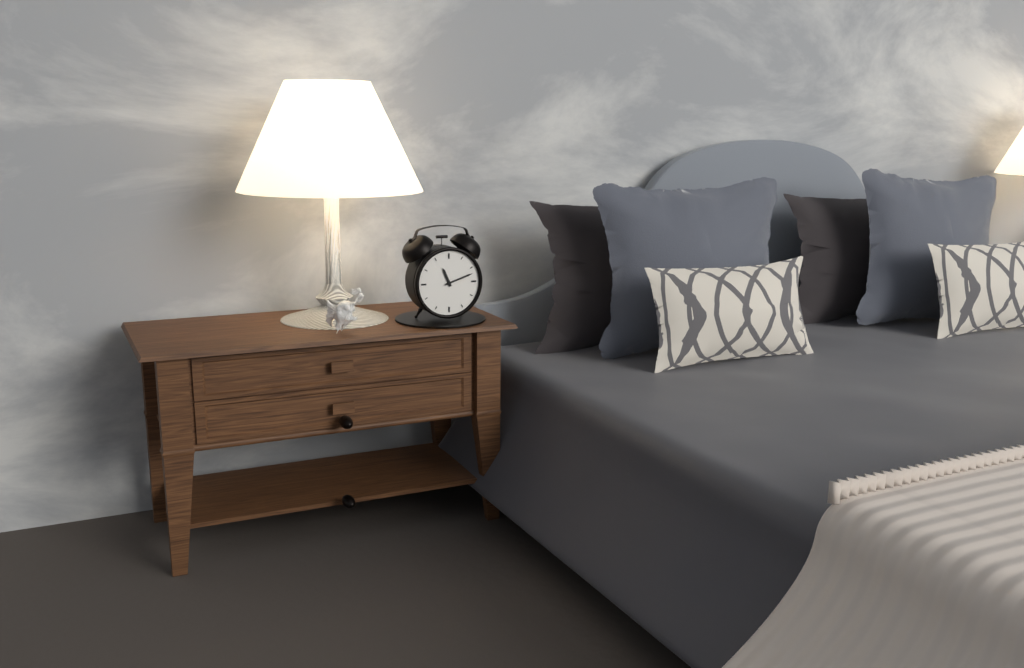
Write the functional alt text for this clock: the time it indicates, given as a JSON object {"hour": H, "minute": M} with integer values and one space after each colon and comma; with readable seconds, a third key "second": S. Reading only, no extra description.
{"hour": 11, "minute": 12}
